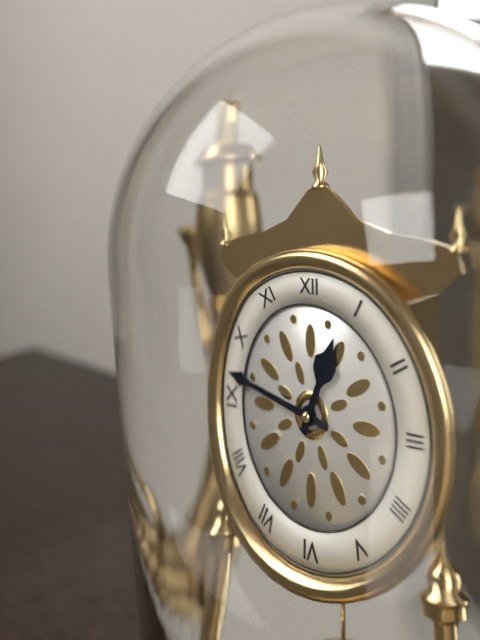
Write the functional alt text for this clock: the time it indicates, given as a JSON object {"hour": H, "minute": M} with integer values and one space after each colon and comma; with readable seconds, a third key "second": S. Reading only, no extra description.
{"hour": 12, "minute": 47}
